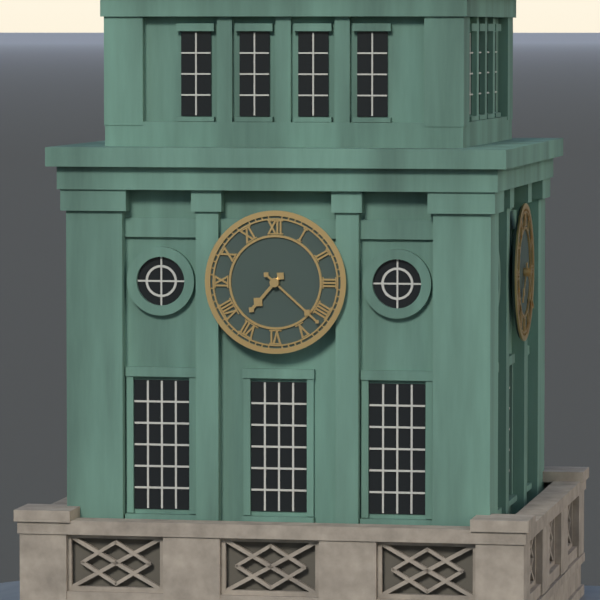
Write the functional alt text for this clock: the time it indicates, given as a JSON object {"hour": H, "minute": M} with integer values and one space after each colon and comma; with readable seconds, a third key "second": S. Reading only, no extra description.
{"hour": 7, "minute": 22}
